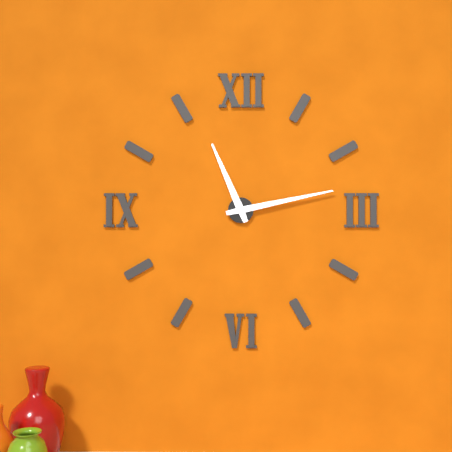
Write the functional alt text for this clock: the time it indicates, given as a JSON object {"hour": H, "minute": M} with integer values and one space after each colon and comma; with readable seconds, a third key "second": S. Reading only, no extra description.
{"hour": 11, "minute": 13}
